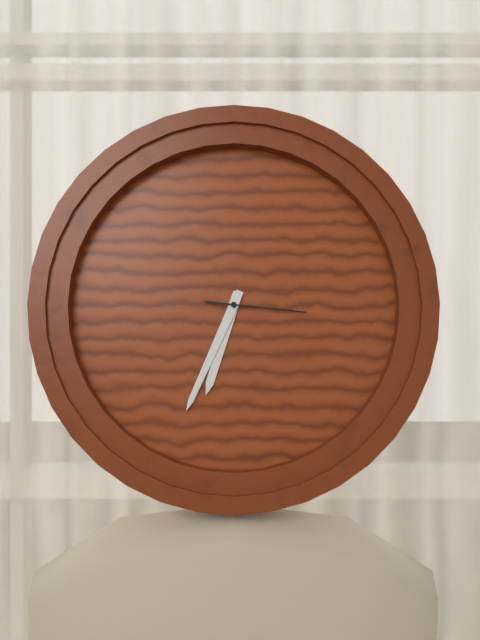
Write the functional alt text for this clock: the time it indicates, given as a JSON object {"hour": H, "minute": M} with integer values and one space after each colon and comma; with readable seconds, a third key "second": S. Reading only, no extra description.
{"hour": 6, "minute": 34, "second": 16}
